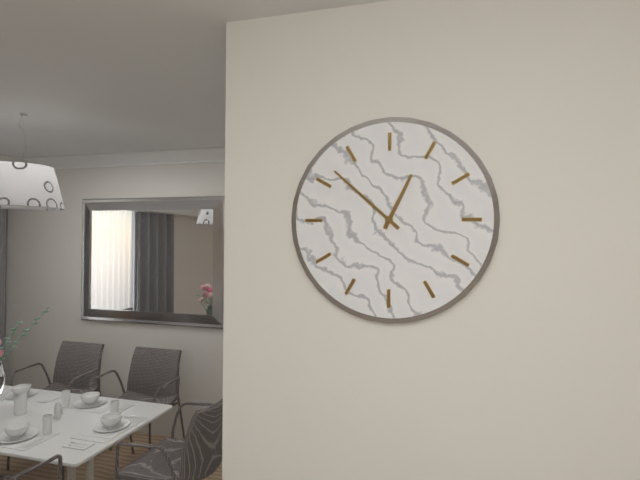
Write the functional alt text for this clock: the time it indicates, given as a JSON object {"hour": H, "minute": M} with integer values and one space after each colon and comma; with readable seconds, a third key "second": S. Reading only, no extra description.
{"hour": 12, "minute": 52}
